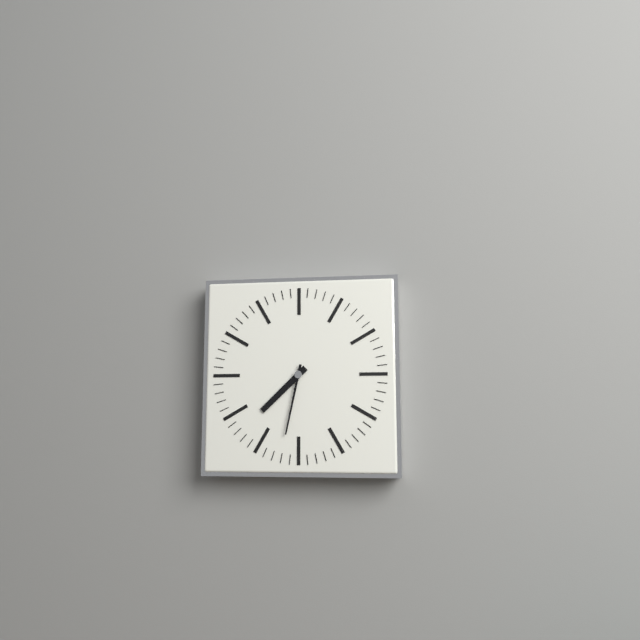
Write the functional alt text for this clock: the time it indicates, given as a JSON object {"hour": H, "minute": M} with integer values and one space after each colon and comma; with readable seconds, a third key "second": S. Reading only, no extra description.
{"hour": 7, "minute": 32}
